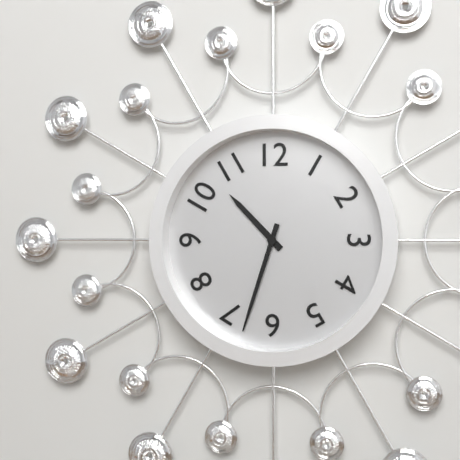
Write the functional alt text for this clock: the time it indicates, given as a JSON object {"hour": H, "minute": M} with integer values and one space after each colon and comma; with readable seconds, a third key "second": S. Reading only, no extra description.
{"hour": 10, "minute": 33}
